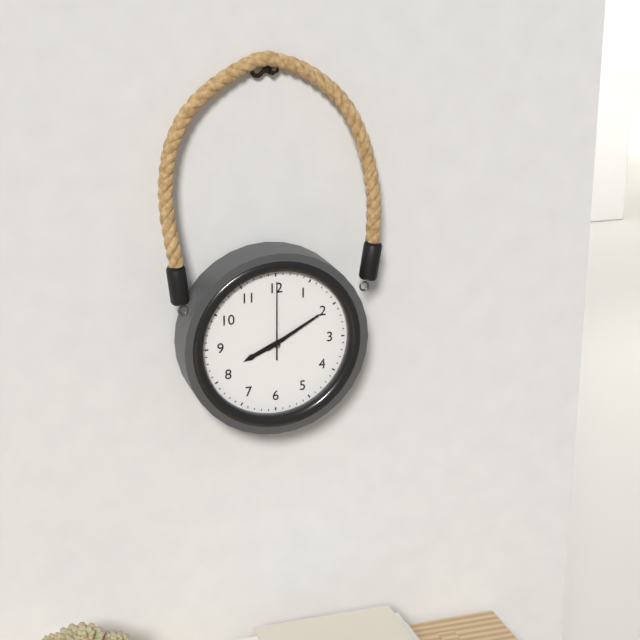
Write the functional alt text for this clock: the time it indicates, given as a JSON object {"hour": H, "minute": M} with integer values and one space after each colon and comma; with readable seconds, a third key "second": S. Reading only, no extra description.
{"hour": 8, "minute": 10, "second": 0}
